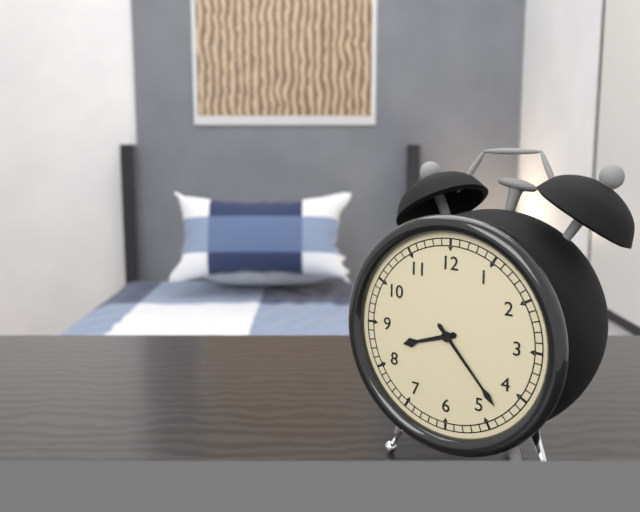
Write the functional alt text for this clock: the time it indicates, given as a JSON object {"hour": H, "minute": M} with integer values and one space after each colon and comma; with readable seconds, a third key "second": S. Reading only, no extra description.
{"hour": 8, "minute": 23}
